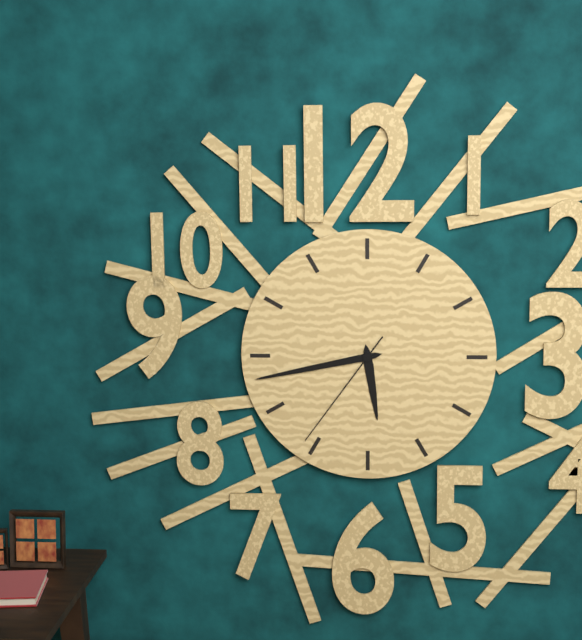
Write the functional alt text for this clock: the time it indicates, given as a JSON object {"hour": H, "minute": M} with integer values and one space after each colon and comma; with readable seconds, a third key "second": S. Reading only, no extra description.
{"hour": 5, "minute": 43, "second": 36}
